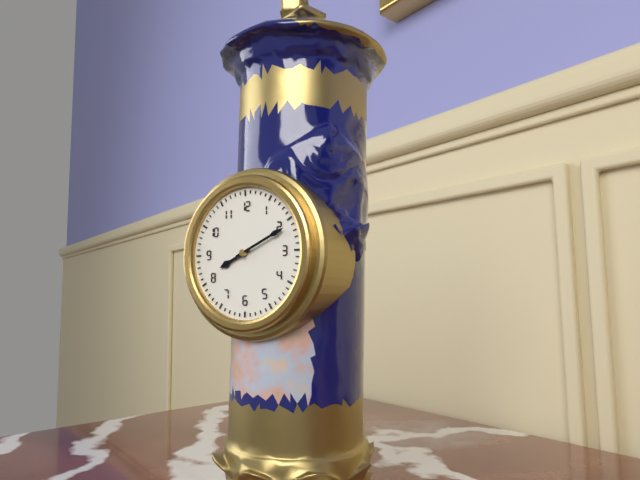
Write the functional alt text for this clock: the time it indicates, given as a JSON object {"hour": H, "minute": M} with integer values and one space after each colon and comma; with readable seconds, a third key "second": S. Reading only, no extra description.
{"hour": 8, "minute": 11}
